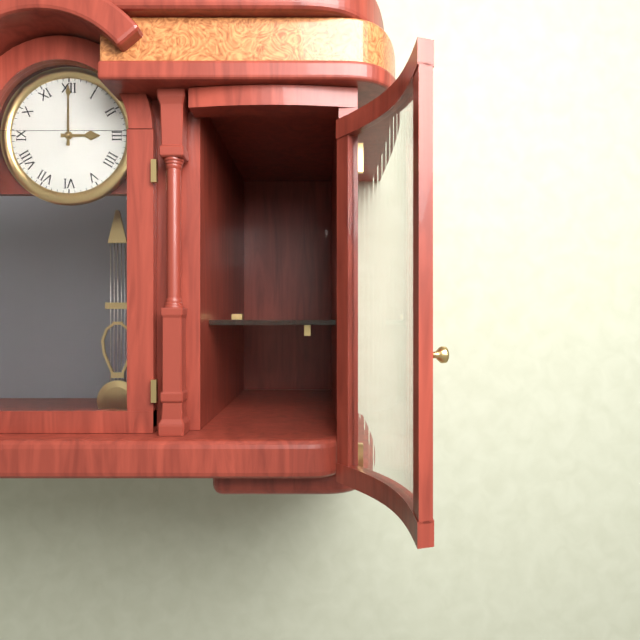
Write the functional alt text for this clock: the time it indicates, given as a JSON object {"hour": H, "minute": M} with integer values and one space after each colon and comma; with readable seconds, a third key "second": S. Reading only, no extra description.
{"hour": 3, "minute": 0}
